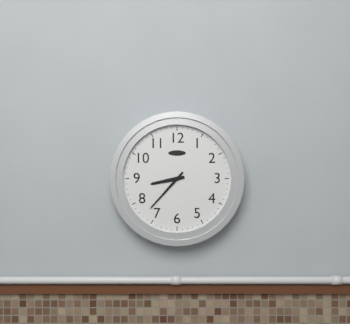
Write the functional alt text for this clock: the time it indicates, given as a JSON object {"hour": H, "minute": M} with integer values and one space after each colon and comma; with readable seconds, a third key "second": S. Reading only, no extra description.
{"hour": 8, "minute": 37}
